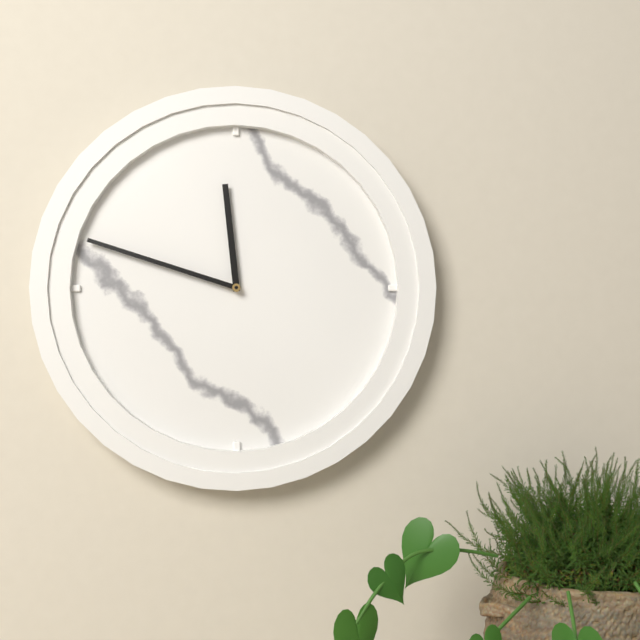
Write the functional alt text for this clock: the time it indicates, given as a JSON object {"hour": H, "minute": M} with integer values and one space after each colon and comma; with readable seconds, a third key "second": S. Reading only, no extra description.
{"hour": 11, "minute": 48}
